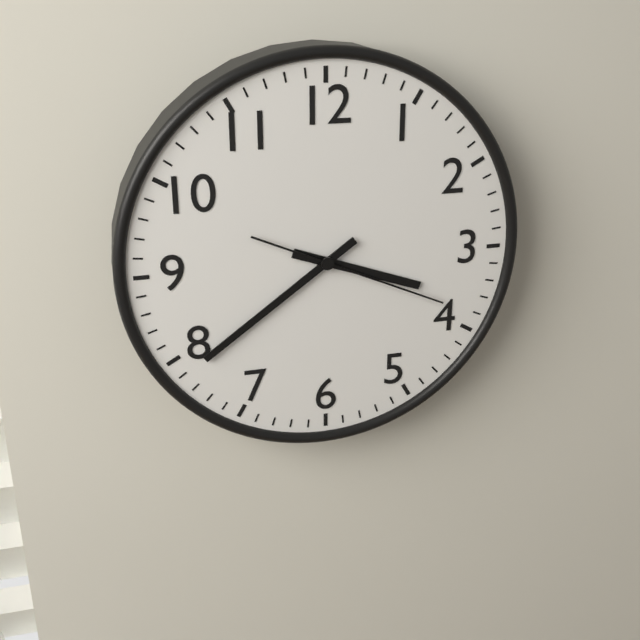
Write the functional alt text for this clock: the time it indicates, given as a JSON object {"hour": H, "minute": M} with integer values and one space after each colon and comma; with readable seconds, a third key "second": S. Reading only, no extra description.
{"hour": 3, "minute": 39, "second": 19}
